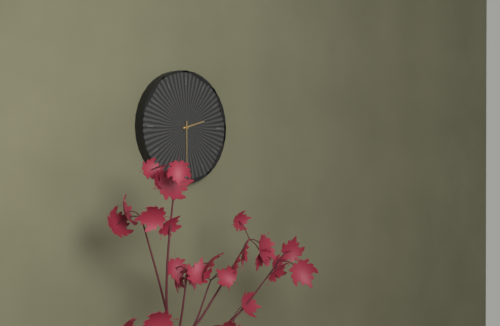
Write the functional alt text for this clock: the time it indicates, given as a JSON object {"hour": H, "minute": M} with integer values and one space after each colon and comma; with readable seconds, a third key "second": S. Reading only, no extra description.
{"hour": 2, "minute": 30}
